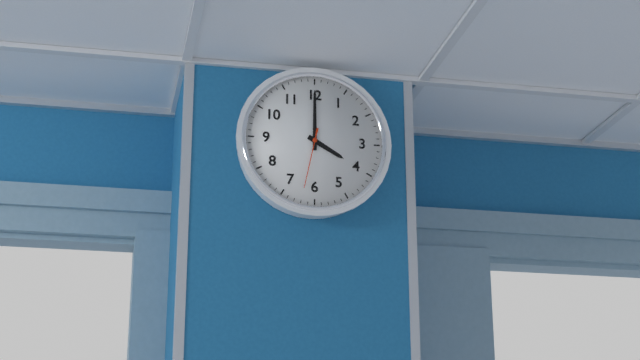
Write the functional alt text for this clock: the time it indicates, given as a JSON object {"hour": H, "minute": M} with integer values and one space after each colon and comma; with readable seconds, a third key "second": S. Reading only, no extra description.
{"hour": 4, "minute": 0, "second": 32}
